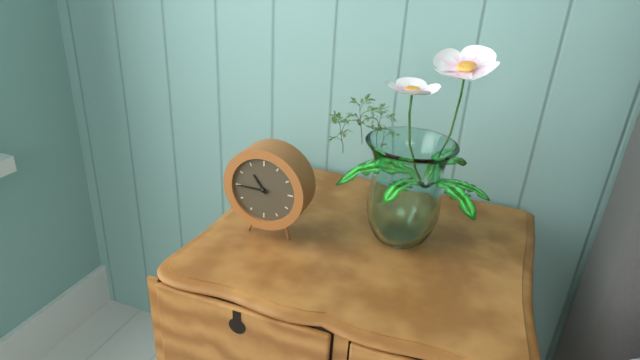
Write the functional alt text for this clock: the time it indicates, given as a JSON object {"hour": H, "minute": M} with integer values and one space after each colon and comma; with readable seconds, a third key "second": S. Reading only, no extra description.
{"hour": 10, "minute": 45}
